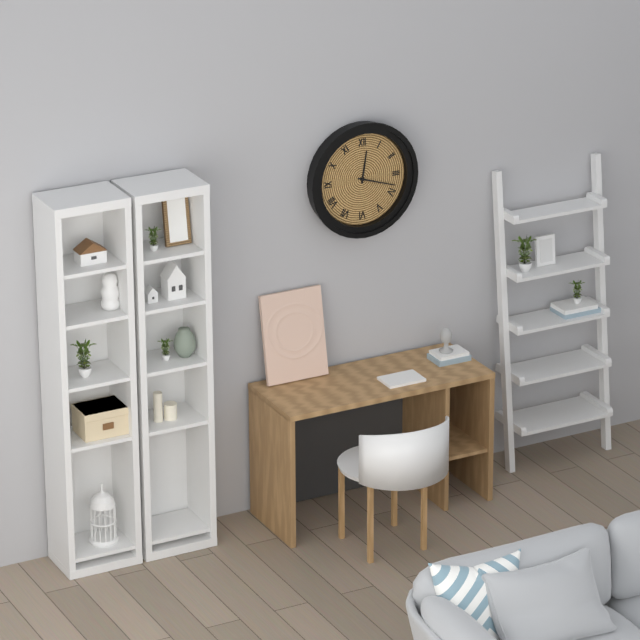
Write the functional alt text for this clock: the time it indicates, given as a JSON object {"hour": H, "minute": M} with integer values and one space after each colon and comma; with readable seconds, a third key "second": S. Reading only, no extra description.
{"hour": 12, "minute": 18}
